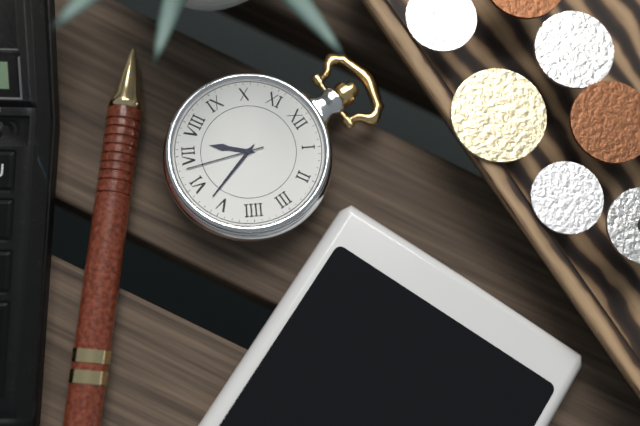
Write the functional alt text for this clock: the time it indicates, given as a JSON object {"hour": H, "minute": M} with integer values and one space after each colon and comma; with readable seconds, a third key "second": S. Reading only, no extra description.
{"hour": 7, "minute": 27, "second": 33}
